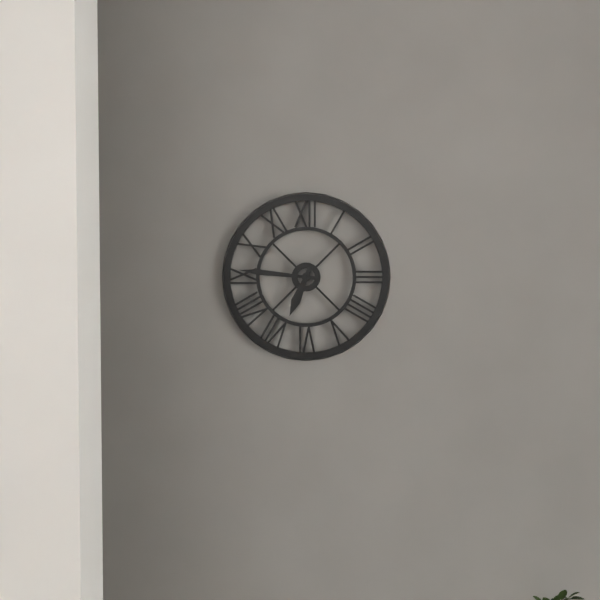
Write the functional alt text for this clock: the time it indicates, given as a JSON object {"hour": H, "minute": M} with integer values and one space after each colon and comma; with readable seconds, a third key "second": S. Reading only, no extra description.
{"hour": 6, "minute": 46}
